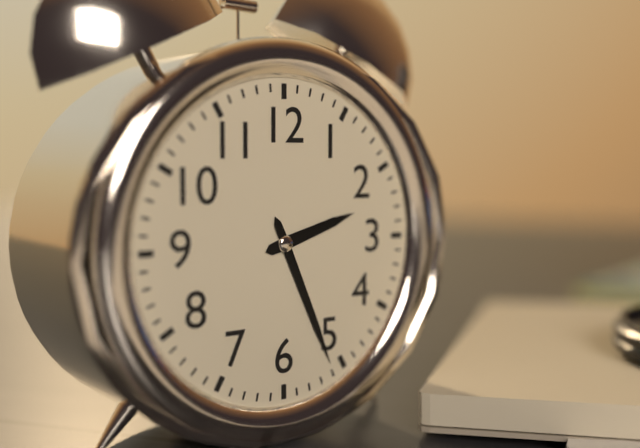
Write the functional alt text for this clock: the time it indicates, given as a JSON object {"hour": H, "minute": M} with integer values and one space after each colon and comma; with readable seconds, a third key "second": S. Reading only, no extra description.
{"hour": 2, "minute": 26}
